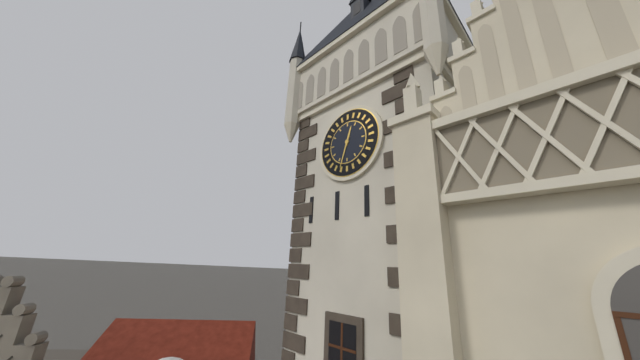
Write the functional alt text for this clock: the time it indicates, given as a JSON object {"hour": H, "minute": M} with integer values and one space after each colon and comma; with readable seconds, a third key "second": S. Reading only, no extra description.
{"hour": 12, "minute": 33}
